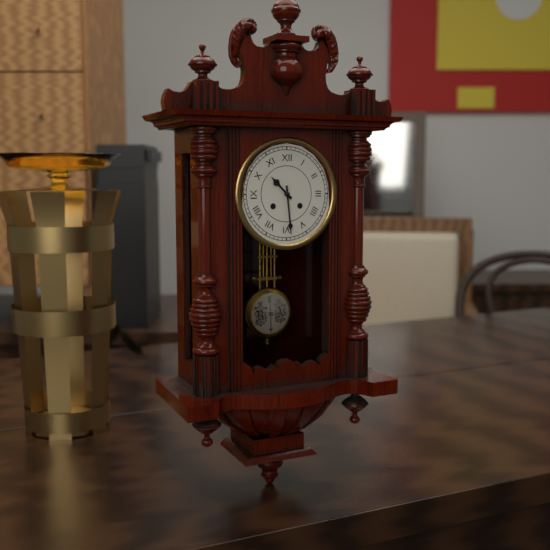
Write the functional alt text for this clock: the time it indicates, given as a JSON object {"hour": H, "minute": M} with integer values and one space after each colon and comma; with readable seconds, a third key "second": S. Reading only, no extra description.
{"hour": 10, "minute": 29}
